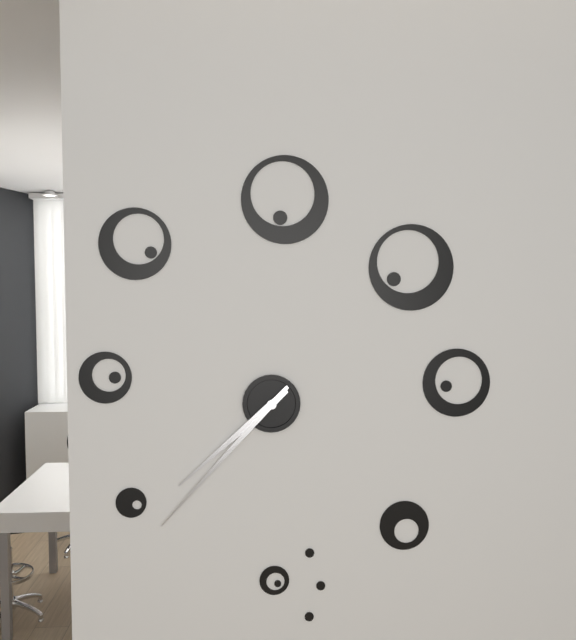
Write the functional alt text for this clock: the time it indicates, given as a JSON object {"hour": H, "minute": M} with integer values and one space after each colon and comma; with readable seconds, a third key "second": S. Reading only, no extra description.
{"hour": 7, "minute": 37}
